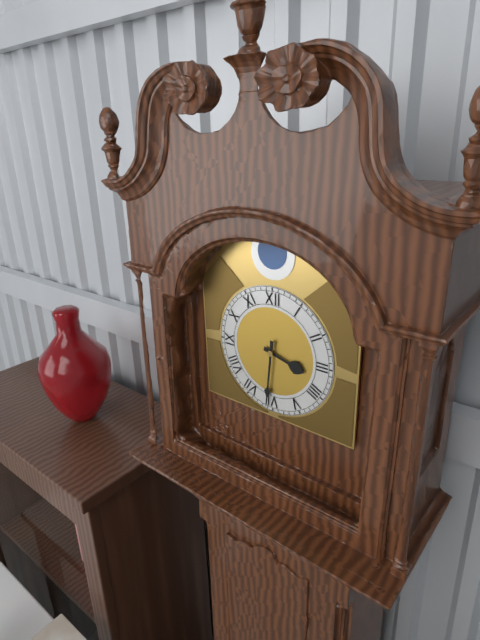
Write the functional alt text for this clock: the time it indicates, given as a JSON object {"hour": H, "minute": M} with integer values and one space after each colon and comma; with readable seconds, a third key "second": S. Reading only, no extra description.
{"hour": 3, "minute": 31}
